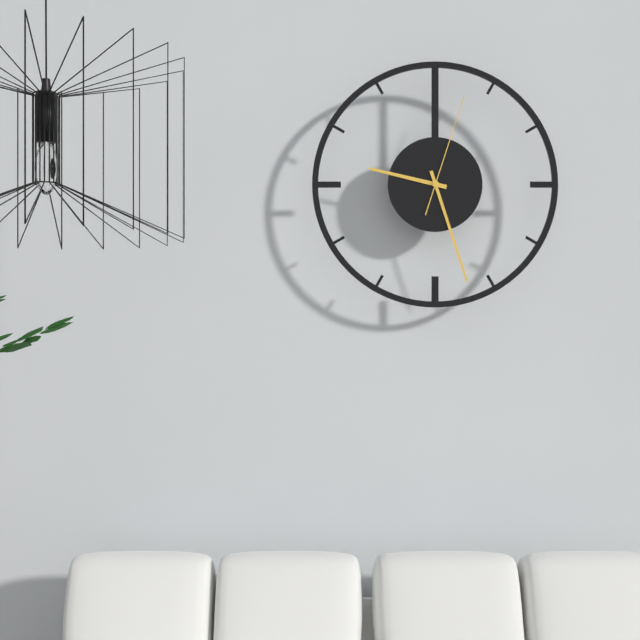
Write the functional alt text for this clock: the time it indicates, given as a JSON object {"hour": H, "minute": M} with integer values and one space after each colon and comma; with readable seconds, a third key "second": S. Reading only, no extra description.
{"hour": 9, "minute": 27, "second": 3}
